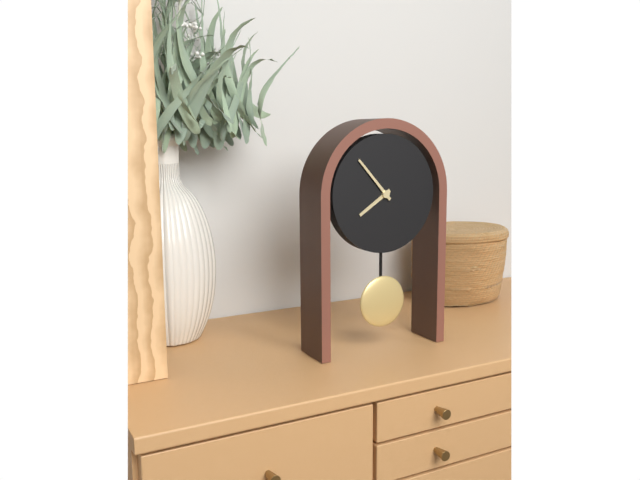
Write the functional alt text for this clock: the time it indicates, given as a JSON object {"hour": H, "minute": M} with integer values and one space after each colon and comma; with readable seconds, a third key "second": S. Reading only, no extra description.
{"hour": 7, "minute": 53}
